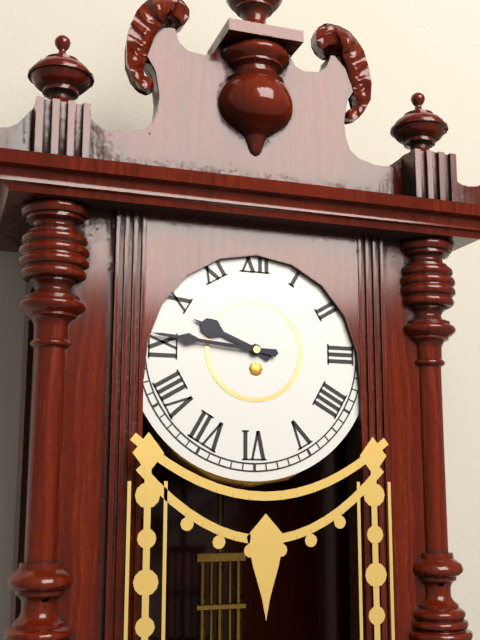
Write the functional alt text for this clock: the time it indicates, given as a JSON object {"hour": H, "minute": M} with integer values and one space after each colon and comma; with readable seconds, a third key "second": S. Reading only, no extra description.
{"hour": 9, "minute": 46}
